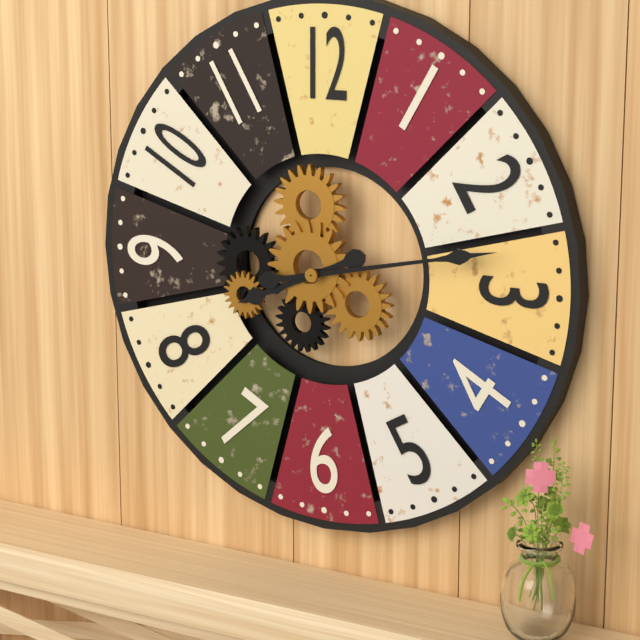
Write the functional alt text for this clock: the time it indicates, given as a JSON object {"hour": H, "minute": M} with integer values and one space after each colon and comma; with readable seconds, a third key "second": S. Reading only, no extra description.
{"hour": 8, "minute": 13}
